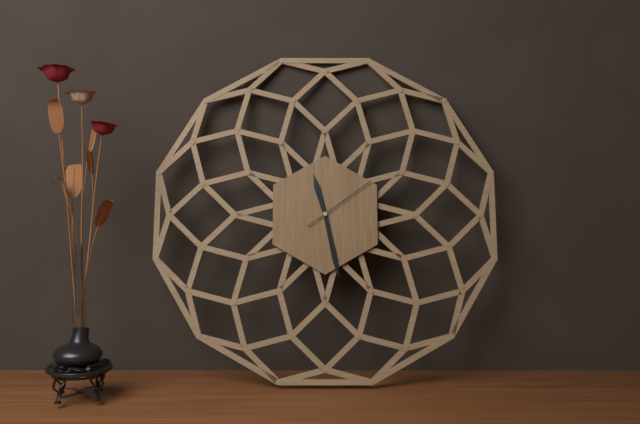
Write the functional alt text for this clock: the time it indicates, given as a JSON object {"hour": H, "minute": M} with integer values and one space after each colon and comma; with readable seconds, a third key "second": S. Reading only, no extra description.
{"hour": 11, "minute": 28, "second": 9}
